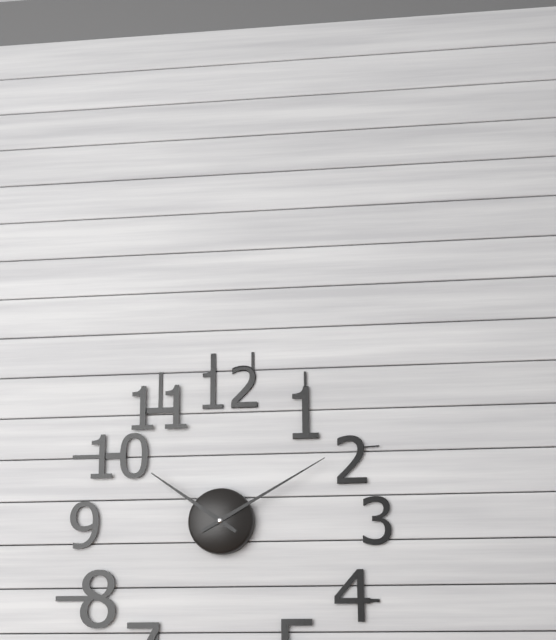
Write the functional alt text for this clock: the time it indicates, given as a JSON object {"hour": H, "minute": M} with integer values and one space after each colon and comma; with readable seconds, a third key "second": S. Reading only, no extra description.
{"hour": 10, "minute": 10}
